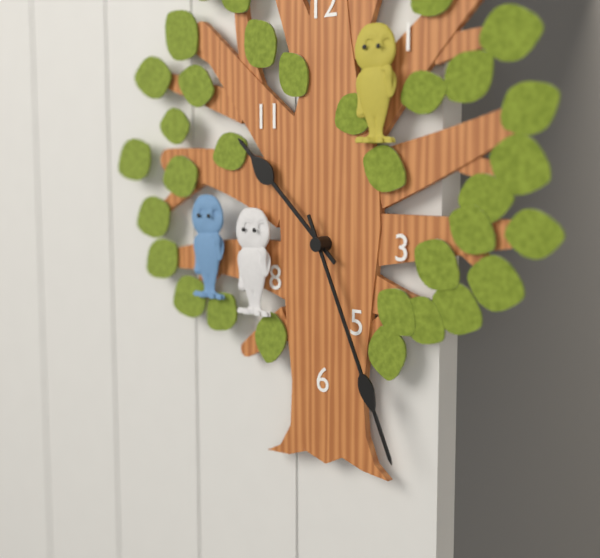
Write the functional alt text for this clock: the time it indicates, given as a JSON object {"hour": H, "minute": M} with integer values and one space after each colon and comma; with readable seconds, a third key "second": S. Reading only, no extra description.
{"hour": 10, "minute": 26}
